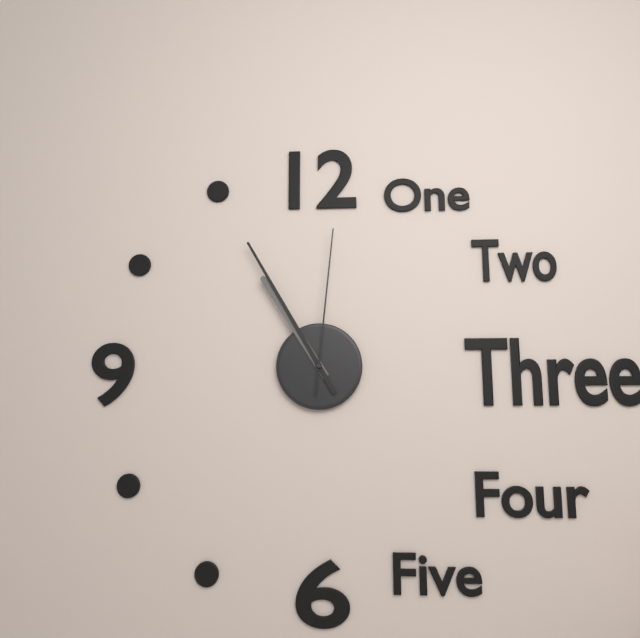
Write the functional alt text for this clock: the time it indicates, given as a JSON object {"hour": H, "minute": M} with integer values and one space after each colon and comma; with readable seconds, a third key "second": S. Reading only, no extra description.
{"hour": 10, "minute": 55, "second": 1}
